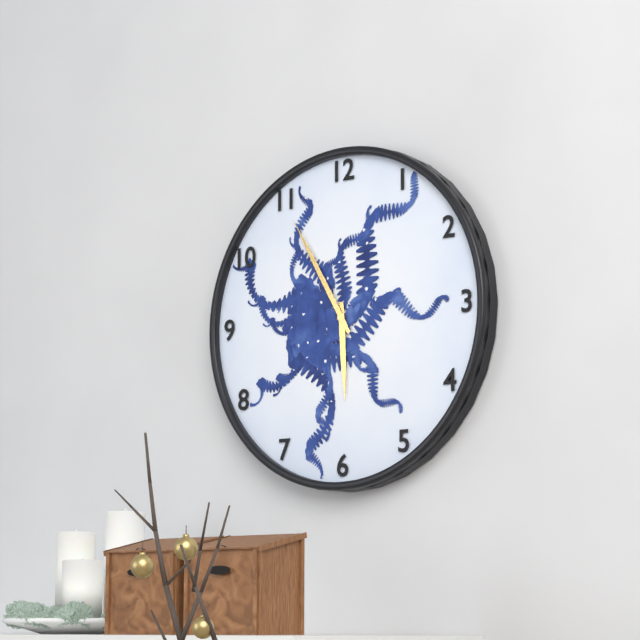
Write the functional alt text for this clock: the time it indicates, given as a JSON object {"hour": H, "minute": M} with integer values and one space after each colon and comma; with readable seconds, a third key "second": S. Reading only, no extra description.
{"hour": 5, "minute": 55}
